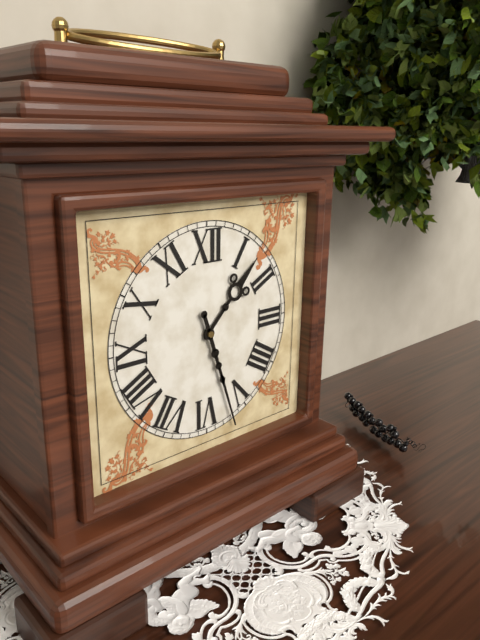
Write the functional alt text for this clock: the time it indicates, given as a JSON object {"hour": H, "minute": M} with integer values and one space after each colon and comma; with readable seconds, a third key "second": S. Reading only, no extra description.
{"hour": 1, "minute": 27}
